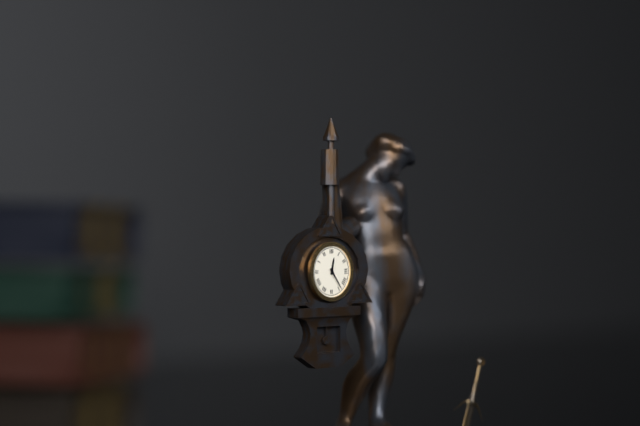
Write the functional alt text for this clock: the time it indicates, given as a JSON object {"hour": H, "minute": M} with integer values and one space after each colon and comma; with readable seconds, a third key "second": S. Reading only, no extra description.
{"hour": 12, "minute": 24}
